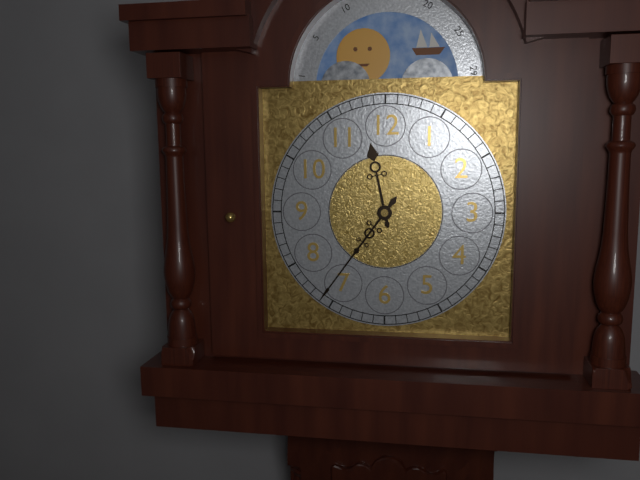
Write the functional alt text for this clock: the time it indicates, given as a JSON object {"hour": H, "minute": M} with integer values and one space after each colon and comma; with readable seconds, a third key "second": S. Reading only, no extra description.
{"hour": 11, "minute": 36}
